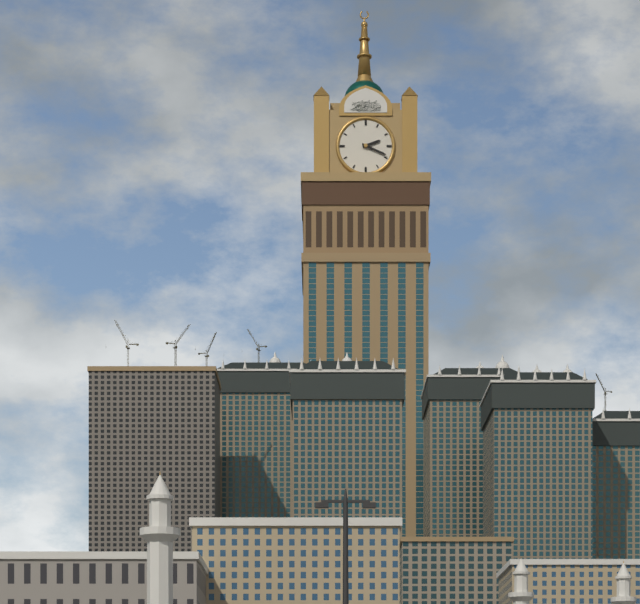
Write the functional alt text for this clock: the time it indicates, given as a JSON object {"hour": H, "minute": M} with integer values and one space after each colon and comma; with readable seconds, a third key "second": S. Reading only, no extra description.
{"hour": 2, "minute": 19}
